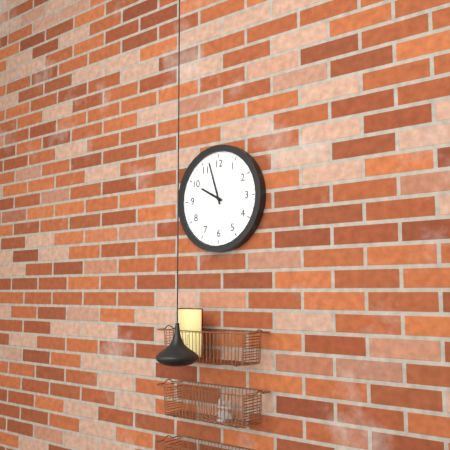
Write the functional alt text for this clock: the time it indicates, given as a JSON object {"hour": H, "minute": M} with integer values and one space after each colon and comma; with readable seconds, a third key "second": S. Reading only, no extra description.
{"hour": 9, "minute": 57}
